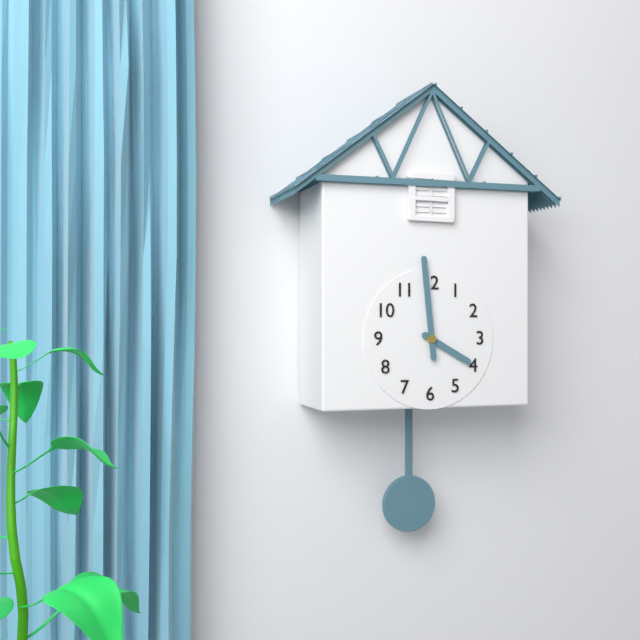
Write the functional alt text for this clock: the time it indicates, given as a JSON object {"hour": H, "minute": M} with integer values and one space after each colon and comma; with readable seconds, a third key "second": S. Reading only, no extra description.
{"hour": 3, "minute": 59}
